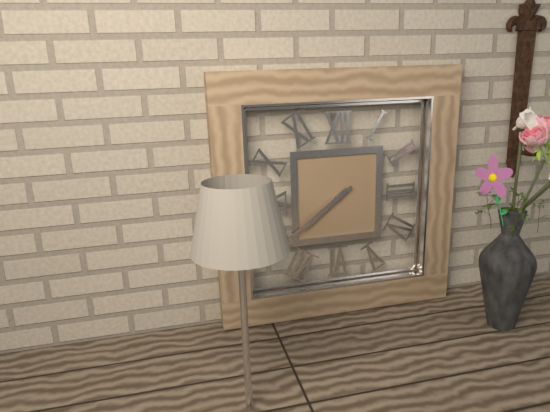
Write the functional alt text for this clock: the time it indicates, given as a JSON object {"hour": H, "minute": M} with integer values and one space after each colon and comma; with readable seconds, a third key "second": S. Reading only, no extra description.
{"hour": 7, "minute": 39}
